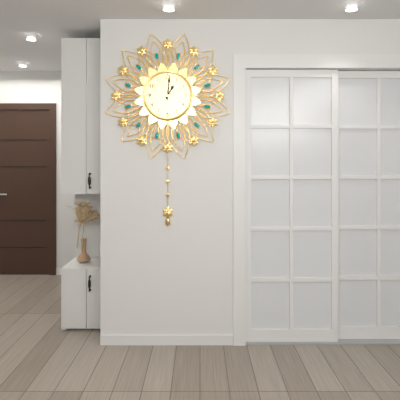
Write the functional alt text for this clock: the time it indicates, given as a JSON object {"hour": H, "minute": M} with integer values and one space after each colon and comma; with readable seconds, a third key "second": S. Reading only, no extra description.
{"hour": 1, "minute": 1}
